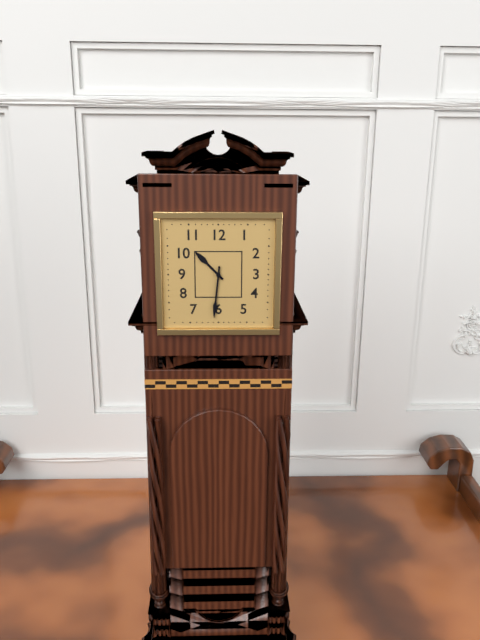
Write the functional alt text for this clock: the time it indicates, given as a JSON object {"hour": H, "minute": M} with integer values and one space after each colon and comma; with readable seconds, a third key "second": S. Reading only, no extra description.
{"hour": 10, "minute": 31}
